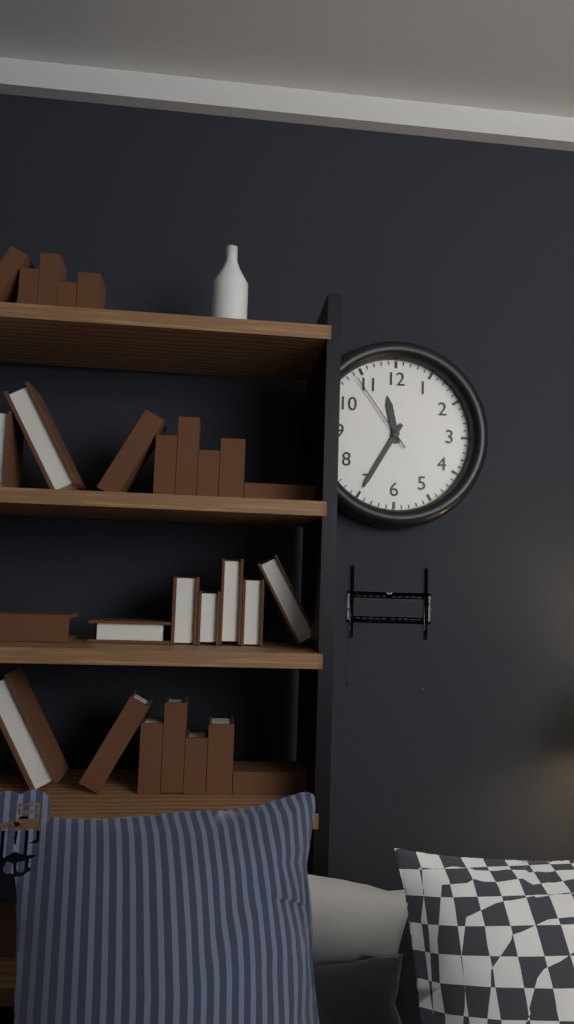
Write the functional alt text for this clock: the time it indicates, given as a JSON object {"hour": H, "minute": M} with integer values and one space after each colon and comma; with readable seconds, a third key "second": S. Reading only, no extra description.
{"hour": 11, "minute": 35, "second": 54}
